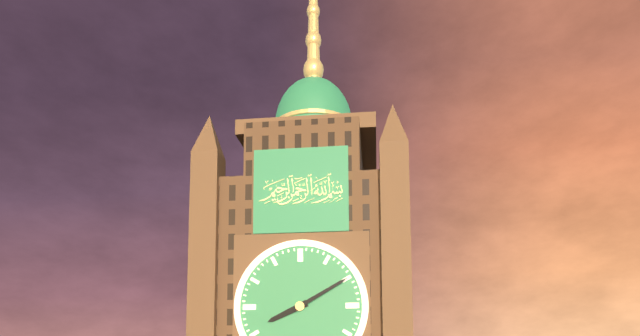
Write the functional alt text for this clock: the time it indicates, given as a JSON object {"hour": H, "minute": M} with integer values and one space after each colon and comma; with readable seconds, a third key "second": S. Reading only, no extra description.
{"hour": 8, "minute": 10}
